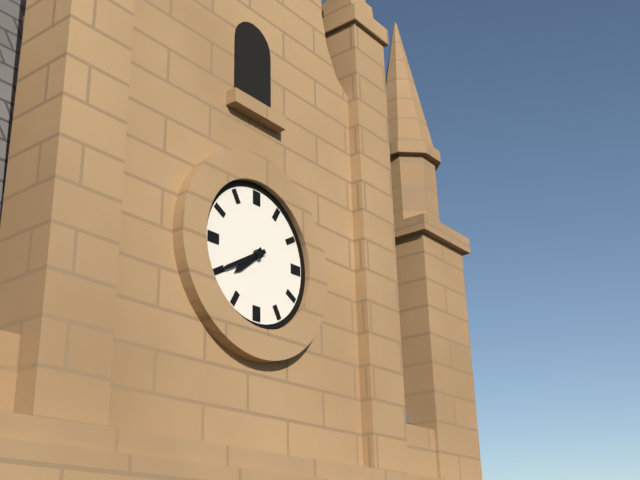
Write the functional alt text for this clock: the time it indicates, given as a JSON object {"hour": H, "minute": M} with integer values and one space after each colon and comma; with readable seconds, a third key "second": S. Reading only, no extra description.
{"hour": 7, "minute": 40}
